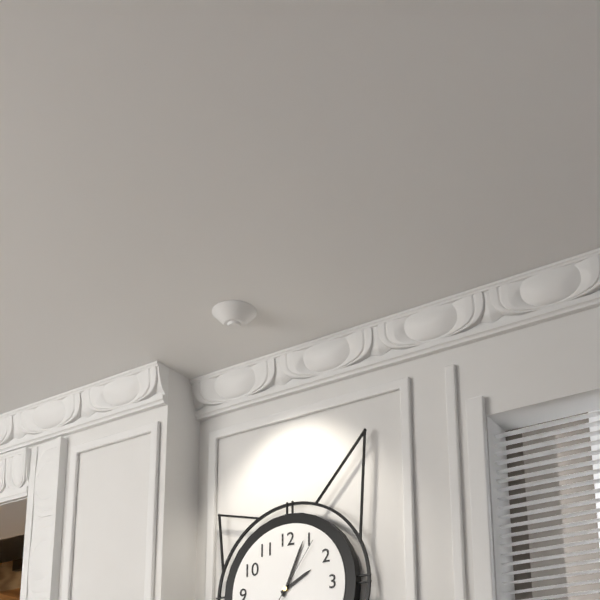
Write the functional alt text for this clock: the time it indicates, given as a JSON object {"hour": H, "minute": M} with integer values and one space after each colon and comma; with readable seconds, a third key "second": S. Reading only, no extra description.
{"hour": 2, "minute": 4, "second": 6}
